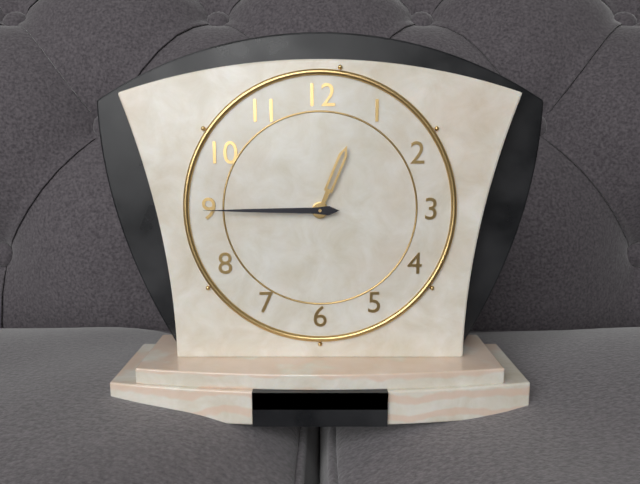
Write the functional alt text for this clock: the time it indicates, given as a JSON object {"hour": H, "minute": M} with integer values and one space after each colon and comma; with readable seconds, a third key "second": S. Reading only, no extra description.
{"hour": 12, "minute": 45}
